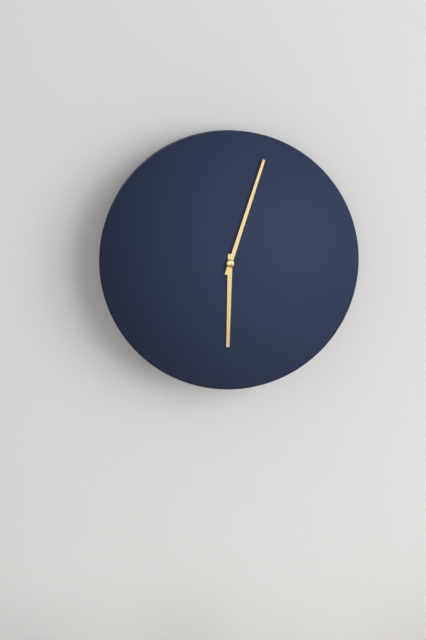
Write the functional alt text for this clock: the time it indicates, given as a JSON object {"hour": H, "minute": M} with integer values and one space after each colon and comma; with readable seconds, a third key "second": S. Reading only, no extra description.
{"hour": 6, "minute": 3}
